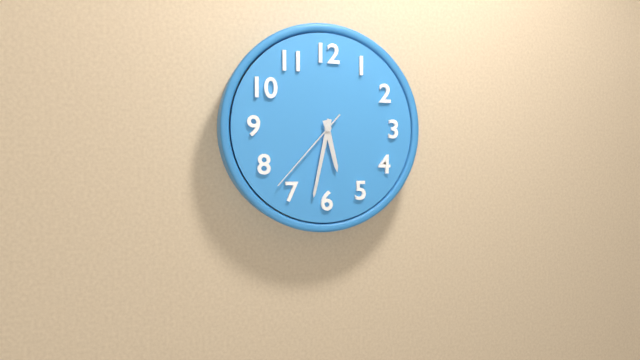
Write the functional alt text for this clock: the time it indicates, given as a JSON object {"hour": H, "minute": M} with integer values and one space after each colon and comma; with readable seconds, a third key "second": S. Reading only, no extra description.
{"hour": 5, "minute": 32, "second": 37}
